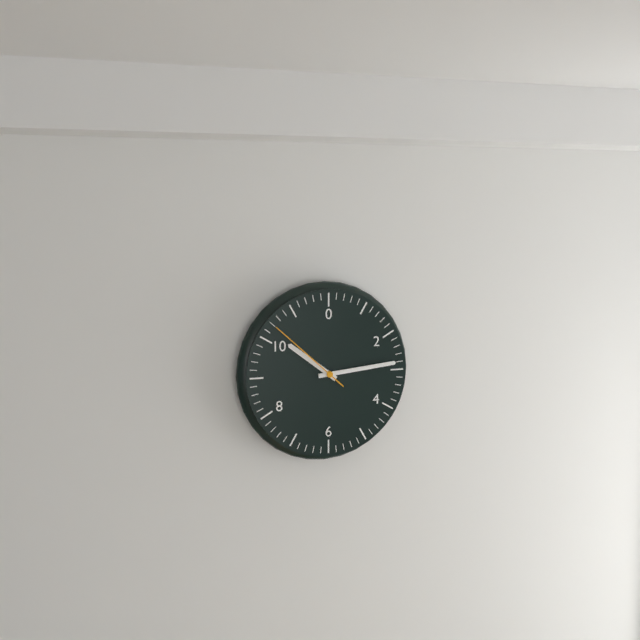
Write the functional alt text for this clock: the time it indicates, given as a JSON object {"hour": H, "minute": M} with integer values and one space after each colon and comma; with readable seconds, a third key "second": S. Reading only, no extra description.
{"hour": 10, "minute": 14, "second": 52}
